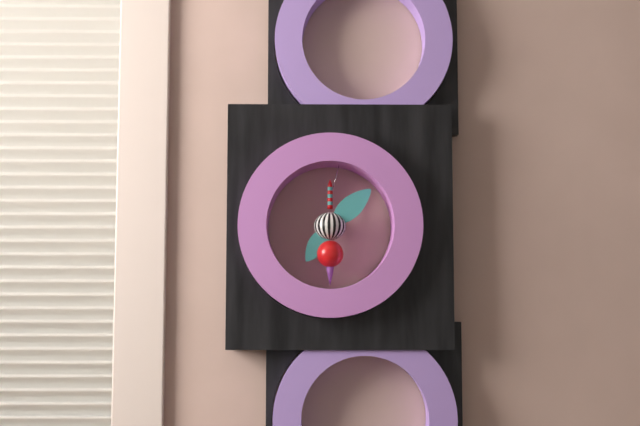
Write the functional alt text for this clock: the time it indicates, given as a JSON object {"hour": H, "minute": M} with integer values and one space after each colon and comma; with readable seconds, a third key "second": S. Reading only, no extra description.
{"hour": 7, "minute": 8}
